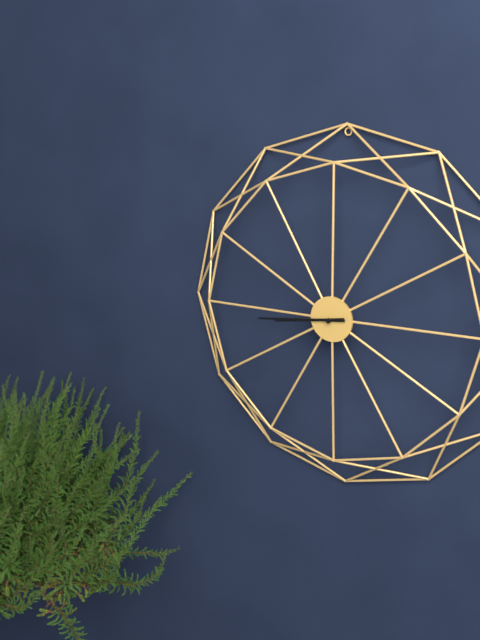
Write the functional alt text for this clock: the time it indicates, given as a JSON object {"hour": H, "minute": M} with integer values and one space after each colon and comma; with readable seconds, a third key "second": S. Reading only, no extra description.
{"hour": 8, "minute": 44}
